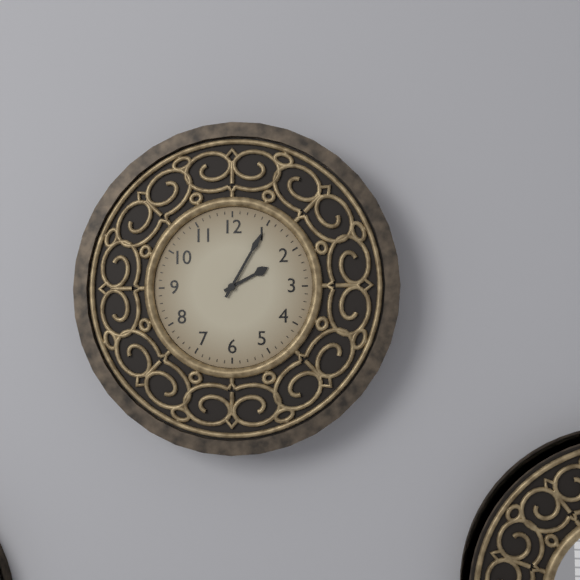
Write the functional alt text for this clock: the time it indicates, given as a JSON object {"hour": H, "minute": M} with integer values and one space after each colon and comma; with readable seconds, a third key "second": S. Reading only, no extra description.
{"hour": 2, "minute": 5}
